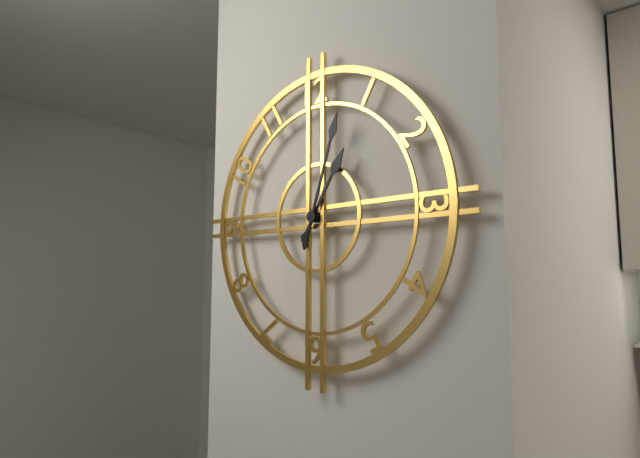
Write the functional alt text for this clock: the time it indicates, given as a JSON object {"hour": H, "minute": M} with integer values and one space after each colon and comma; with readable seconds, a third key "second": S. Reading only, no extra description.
{"hour": 1, "minute": 3}
